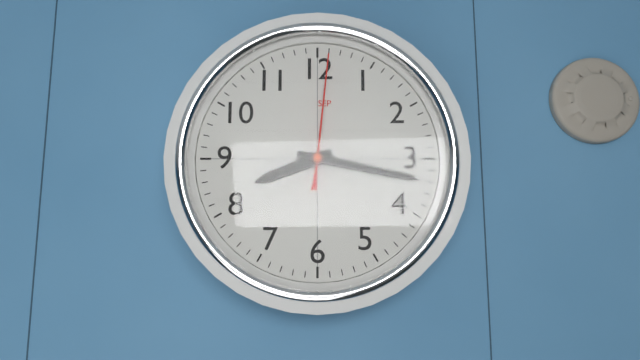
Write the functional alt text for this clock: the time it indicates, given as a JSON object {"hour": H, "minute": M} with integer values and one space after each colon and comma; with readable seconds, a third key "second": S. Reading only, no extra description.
{"hour": 8, "minute": 17, "second": 1}
